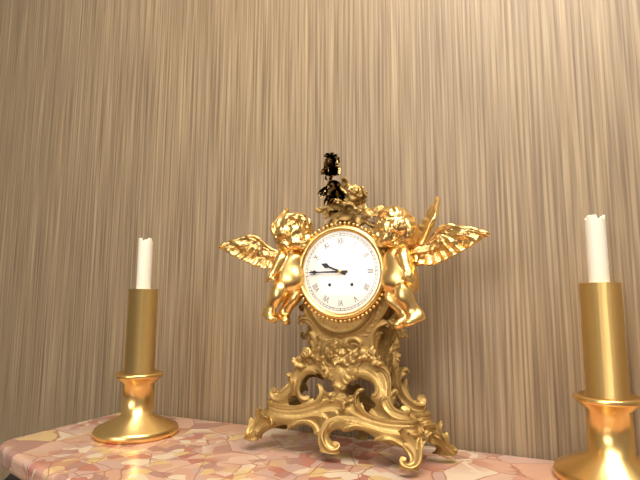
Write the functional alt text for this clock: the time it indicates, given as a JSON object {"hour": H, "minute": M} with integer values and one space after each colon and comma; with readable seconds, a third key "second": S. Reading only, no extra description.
{"hour": 9, "minute": 45}
